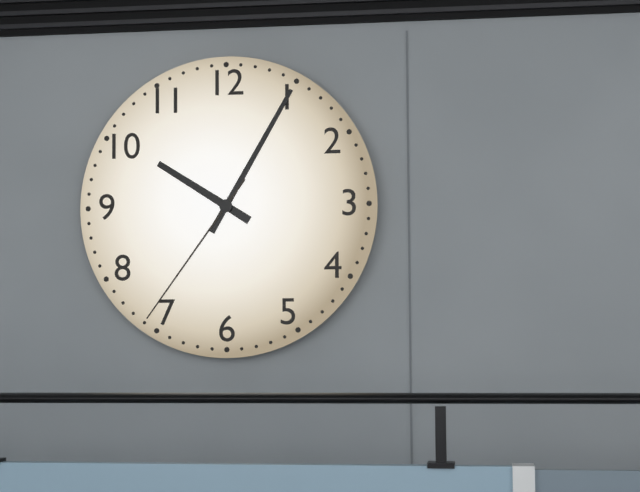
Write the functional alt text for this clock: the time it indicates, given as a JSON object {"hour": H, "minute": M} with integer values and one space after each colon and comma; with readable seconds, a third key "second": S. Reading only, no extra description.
{"hour": 10, "minute": 5, "second": 36}
